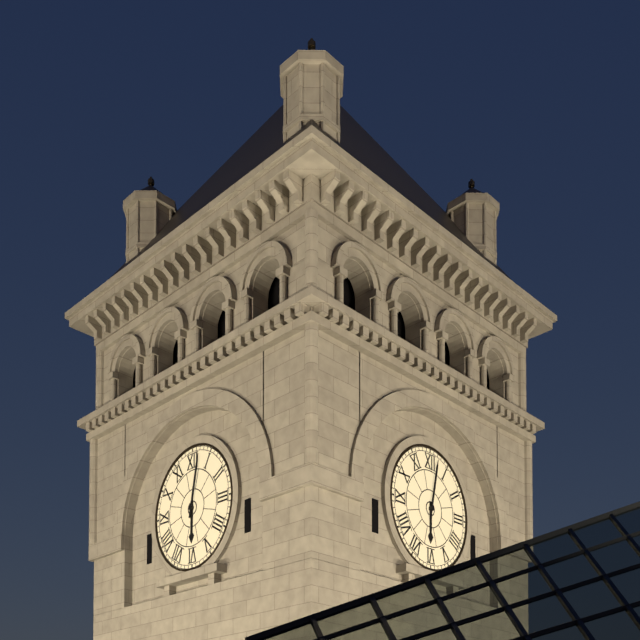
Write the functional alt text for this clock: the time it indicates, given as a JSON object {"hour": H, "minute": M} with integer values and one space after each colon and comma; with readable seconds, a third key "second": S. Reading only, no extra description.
{"hour": 6, "minute": 2}
